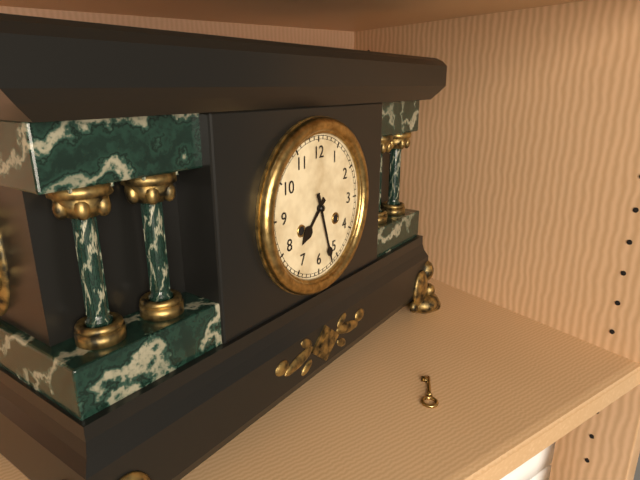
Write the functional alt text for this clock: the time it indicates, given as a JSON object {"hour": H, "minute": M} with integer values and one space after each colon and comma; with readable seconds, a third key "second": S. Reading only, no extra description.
{"hour": 7, "minute": 27}
